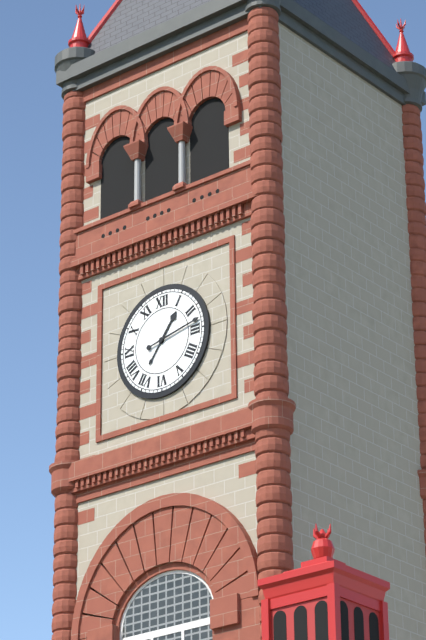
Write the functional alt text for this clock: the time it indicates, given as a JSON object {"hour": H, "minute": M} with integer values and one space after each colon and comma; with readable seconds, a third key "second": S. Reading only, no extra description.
{"hour": 1, "minute": 13}
